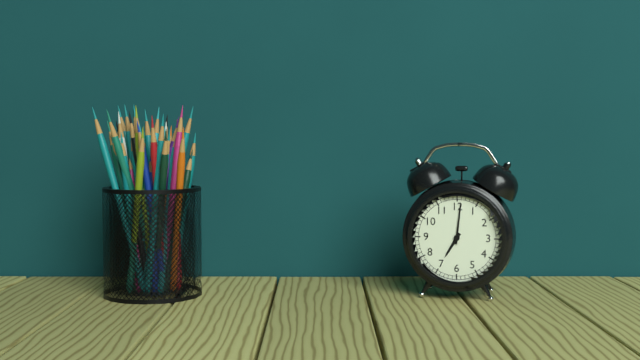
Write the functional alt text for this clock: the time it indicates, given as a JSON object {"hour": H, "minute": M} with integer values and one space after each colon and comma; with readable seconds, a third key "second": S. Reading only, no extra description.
{"hour": 7, "minute": 1}
